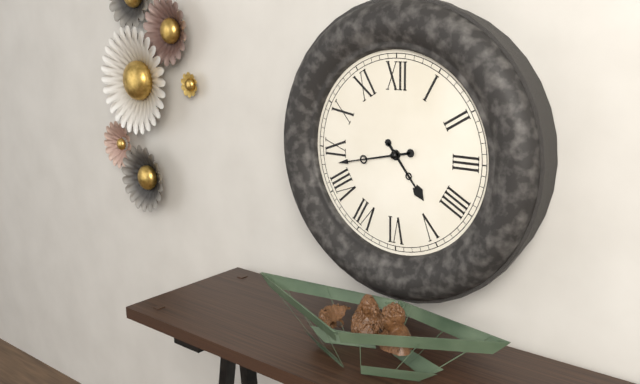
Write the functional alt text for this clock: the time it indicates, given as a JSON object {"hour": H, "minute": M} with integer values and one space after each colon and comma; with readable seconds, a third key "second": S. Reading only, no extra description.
{"hour": 4, "minute": 43}
